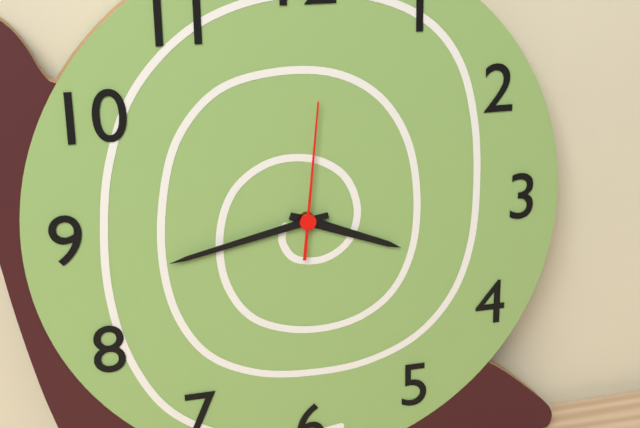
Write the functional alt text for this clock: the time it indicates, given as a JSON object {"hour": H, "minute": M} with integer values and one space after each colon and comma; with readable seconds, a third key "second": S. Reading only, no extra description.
{"hour": 3, "minute": 43, "second": 1}
